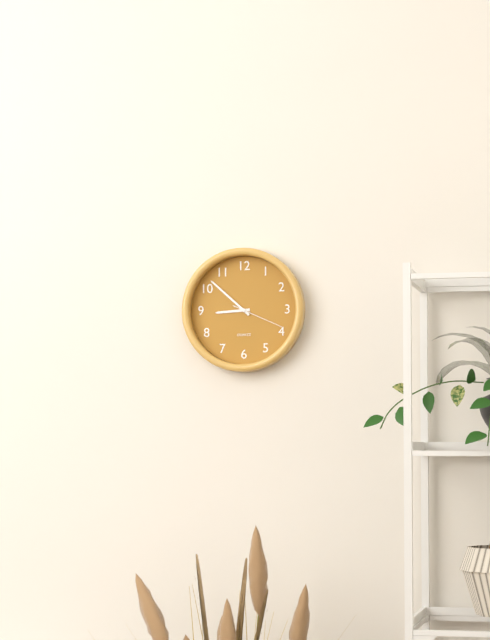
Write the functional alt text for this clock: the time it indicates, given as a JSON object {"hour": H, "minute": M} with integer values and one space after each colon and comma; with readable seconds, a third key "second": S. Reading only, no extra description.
{"hour": 8, "minute": 52, "second": 19}
